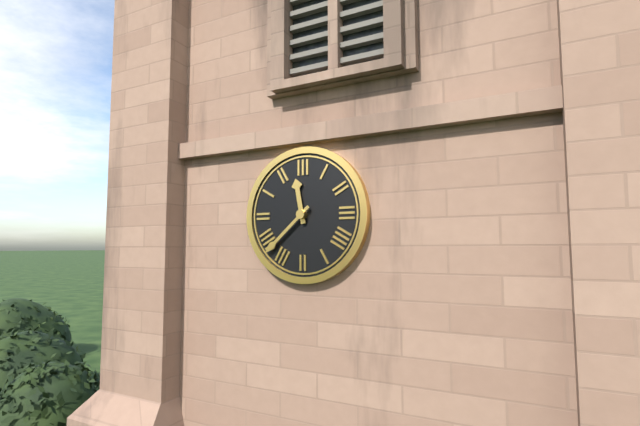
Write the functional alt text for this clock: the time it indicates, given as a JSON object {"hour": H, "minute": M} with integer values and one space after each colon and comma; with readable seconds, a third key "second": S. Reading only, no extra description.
{"hour": 11, "minute": 38}
